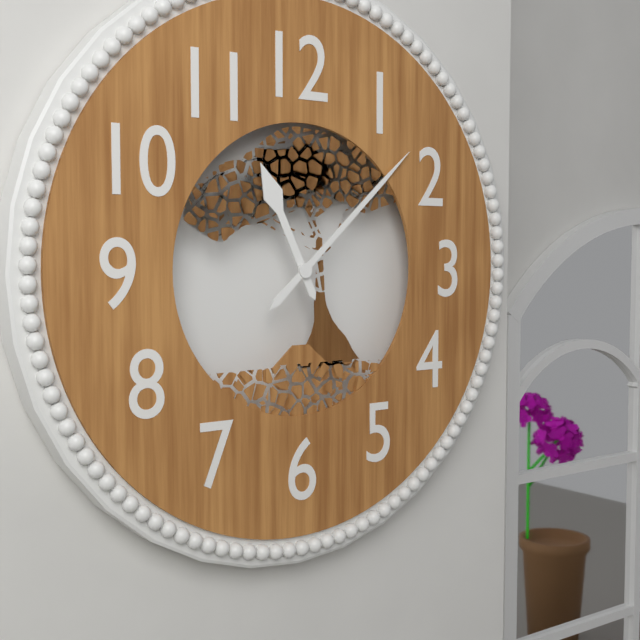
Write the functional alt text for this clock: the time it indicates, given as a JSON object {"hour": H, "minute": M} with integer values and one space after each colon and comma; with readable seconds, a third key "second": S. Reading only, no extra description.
{"hour": 11, "minute": 8}
